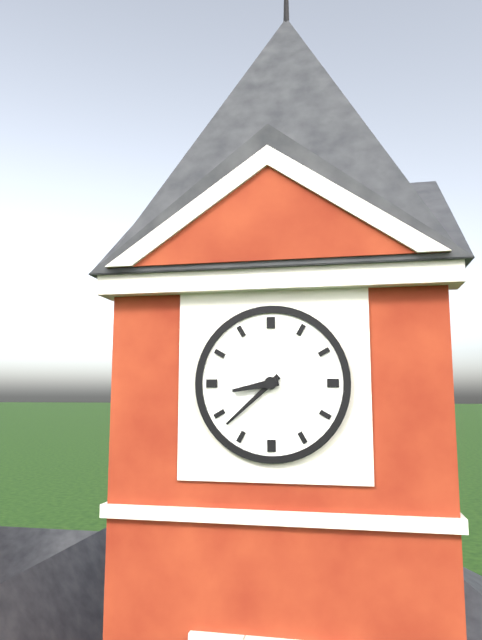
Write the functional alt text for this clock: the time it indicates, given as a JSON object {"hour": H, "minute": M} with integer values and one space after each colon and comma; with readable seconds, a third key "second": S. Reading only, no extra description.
{"hour": 8, "minute": 38}
